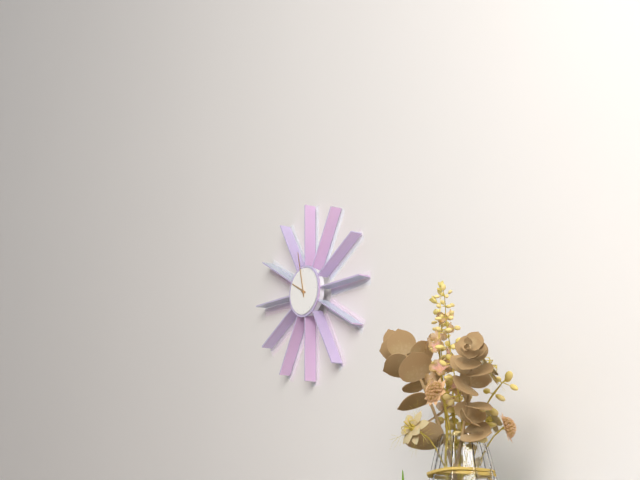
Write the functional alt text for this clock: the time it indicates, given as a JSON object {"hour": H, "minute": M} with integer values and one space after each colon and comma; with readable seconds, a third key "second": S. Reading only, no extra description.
{"hour": 9, "minute": 58}
